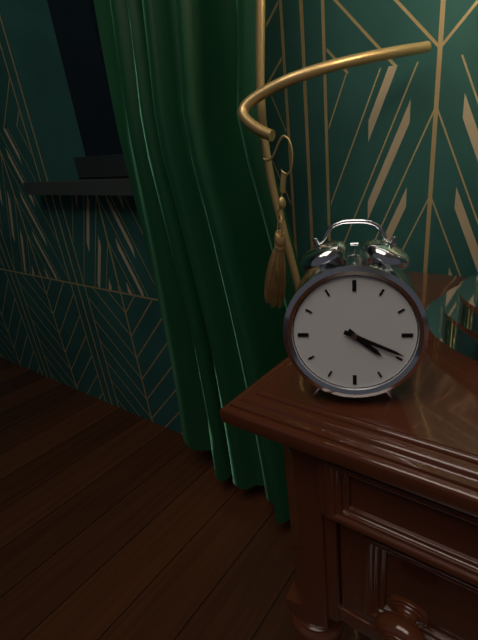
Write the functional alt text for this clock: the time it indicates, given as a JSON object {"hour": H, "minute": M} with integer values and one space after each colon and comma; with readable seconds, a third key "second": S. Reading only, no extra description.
{"hour": 4, "minute": 19}
